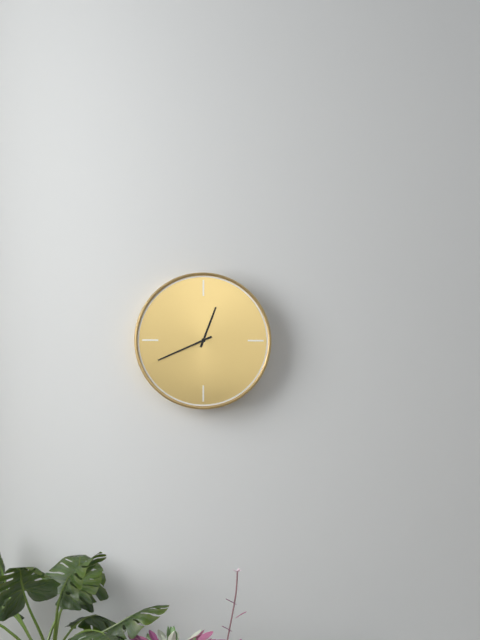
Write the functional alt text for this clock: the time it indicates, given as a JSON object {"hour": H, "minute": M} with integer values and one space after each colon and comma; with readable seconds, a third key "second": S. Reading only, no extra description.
{"hour": 12, "minute": 41}
